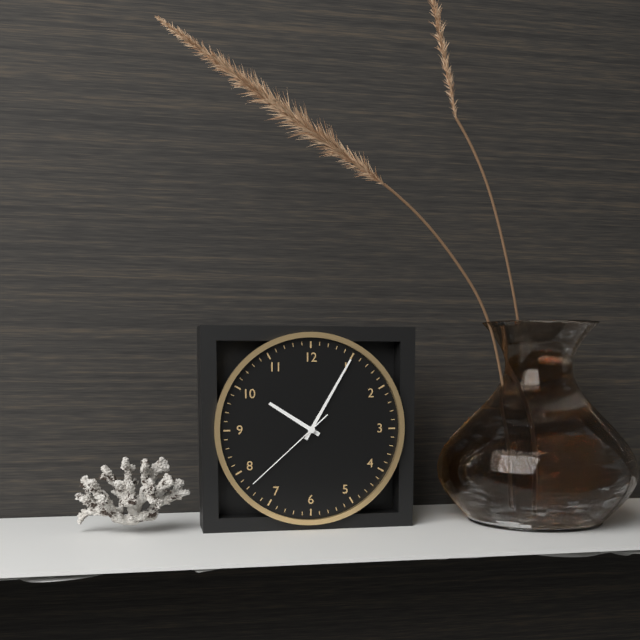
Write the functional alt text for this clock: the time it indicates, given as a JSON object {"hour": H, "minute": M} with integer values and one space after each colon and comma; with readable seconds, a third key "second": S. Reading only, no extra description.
{"hour": 10, "minute": 5, "second": 38}
